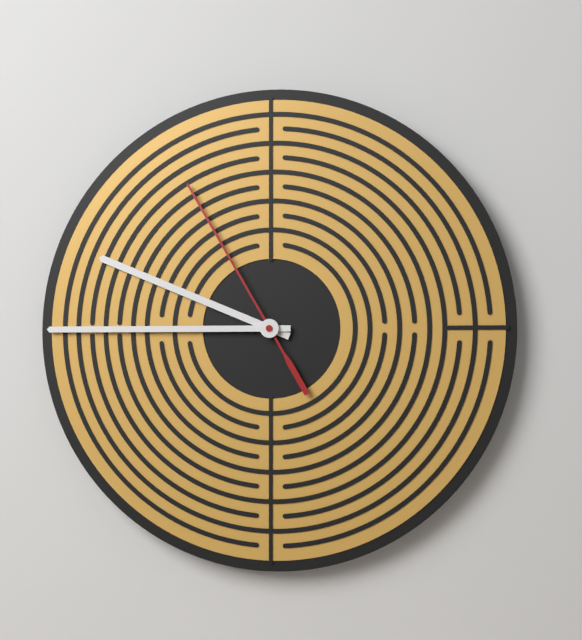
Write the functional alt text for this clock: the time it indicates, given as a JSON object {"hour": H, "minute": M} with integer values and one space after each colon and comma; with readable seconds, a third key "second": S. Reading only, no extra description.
{"hour": 9, "minute": 45, "second": 55}
